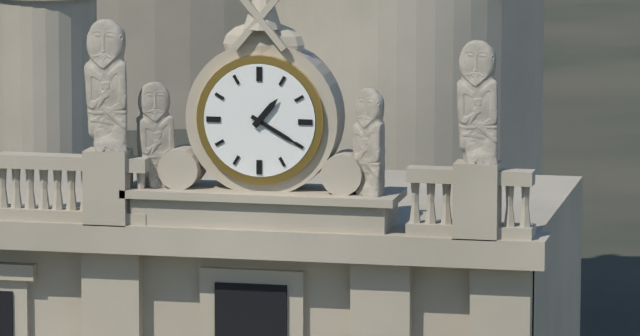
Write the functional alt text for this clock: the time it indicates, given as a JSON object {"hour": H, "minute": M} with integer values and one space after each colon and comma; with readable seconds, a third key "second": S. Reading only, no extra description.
{"hour": 1, "minute": 20}
